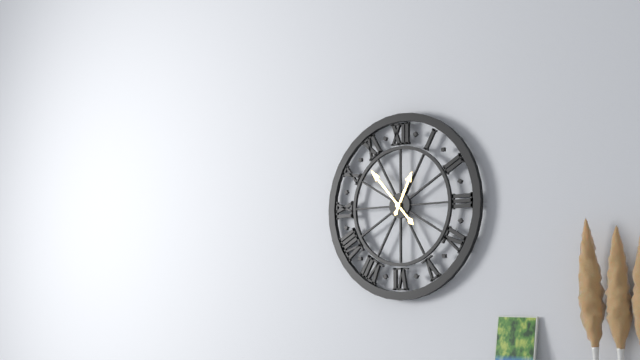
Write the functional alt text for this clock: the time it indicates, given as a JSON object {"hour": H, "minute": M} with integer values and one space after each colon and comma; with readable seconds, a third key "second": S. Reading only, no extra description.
{"hour": 12, "minute": 53}
